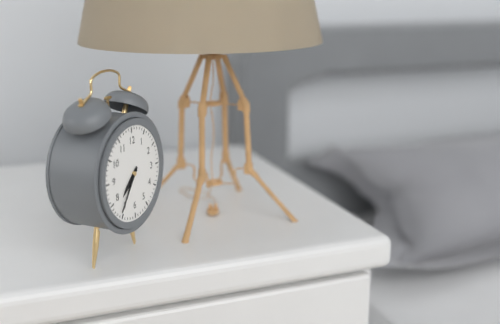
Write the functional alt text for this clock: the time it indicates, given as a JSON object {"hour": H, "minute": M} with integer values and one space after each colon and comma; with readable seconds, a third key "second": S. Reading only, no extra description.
{"hour": 7, "minute": 36}
